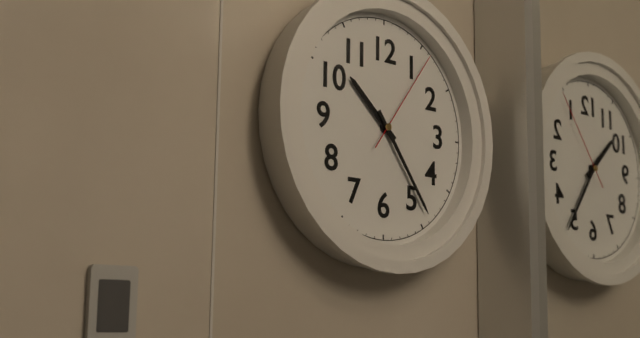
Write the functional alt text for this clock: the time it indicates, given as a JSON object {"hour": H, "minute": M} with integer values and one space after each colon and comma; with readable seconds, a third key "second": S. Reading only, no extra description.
{"hour": 10, "minute": 24, "second": 6}
